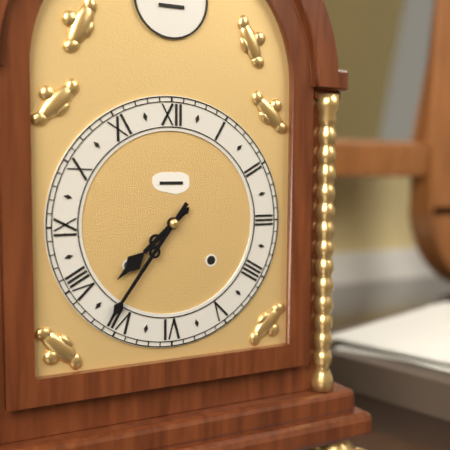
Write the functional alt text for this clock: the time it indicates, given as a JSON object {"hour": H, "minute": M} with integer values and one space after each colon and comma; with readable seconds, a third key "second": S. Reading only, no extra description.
{"hour": 7, "minute": 36}
